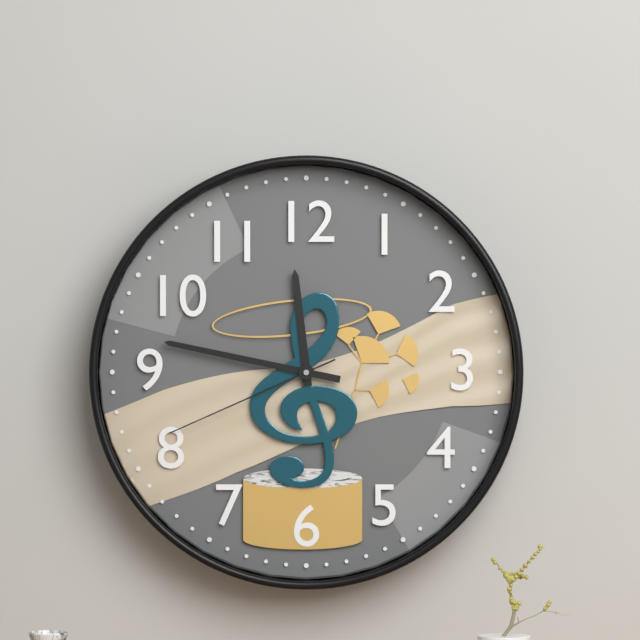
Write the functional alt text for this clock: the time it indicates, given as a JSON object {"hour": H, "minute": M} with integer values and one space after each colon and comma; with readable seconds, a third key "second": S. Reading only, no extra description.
{"hour": 11, "minute": 47, "second": 41}
